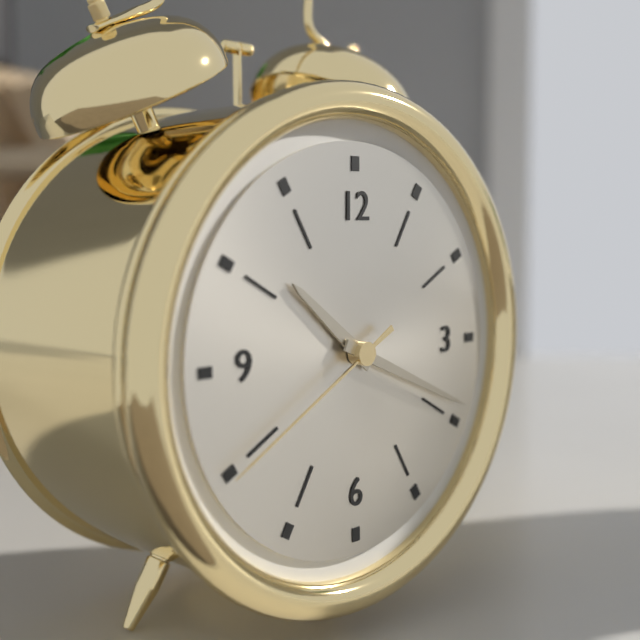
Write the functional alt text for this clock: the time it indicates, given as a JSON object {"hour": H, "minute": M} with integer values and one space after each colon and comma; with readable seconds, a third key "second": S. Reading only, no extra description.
{"hour": 10, "minute": 19, "second": 40}
